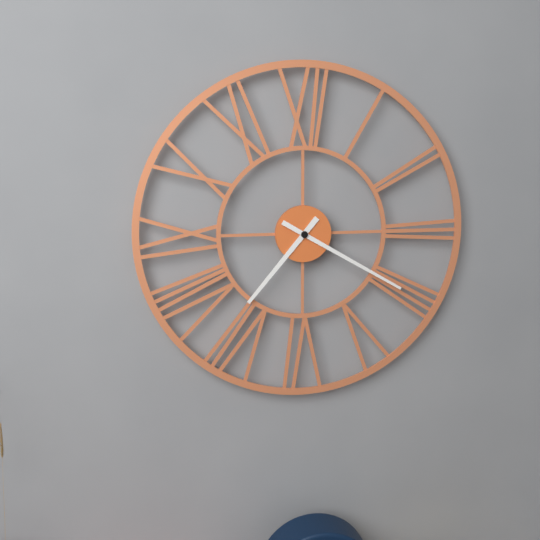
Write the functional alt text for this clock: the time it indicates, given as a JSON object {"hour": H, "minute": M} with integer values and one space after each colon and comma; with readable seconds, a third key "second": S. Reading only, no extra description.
{"hour": 7, "minute": 20}
